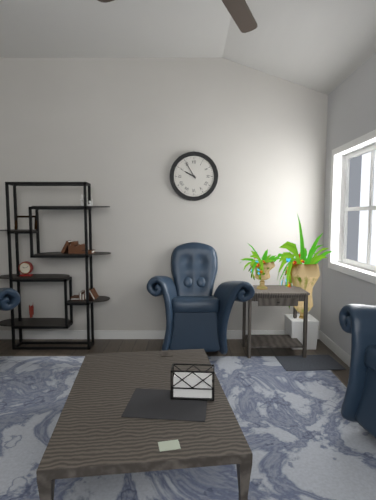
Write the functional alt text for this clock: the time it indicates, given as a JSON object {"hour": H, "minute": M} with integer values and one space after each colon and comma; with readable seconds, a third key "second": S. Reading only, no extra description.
{"hour": 9, "minute": 55}
